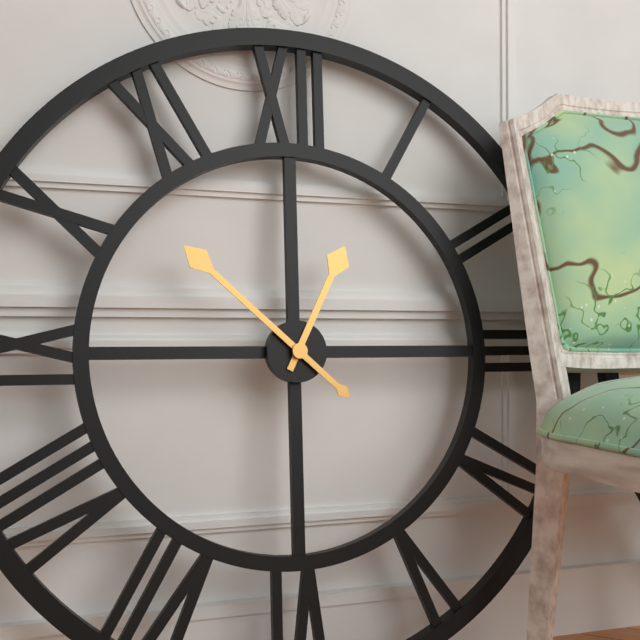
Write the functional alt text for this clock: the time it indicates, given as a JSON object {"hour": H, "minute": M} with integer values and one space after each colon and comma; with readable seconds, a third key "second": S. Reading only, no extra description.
{"hour": 12, "minute": 52}
